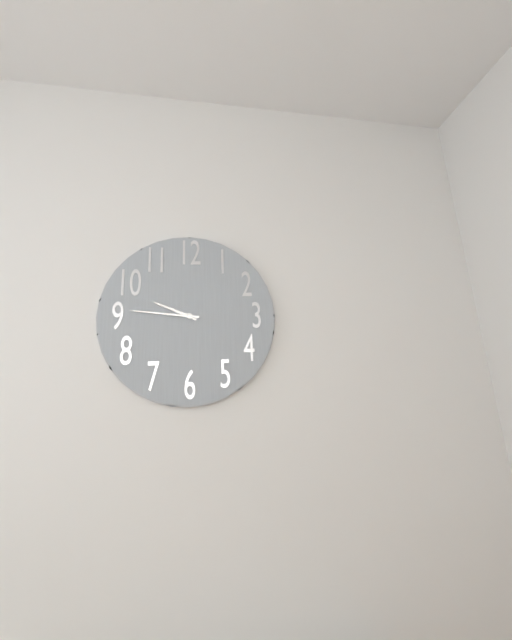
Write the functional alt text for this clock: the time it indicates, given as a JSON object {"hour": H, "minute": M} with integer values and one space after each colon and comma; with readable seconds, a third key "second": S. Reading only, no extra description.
{"hour": 9, "minute": 46}
